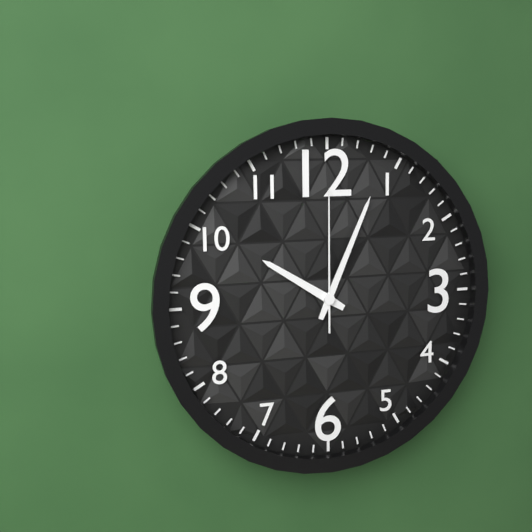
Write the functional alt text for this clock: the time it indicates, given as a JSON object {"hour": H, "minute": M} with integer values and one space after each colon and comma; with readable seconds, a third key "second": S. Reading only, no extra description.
{"hour": 10, "minute": 4, "second": 0}
